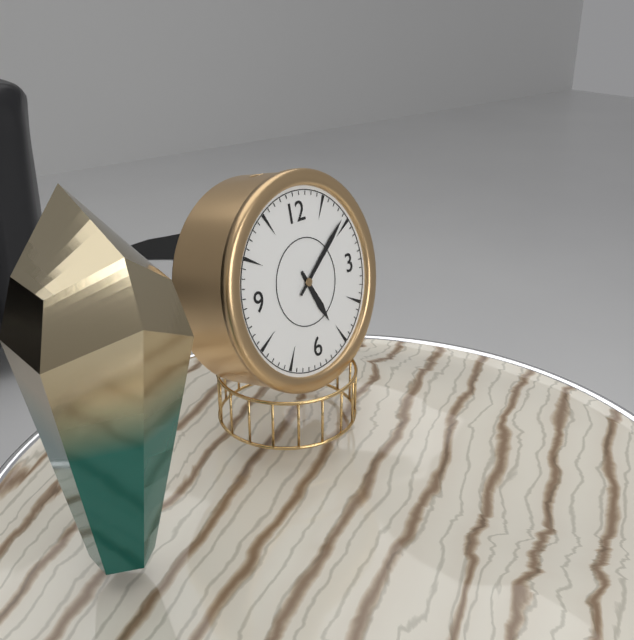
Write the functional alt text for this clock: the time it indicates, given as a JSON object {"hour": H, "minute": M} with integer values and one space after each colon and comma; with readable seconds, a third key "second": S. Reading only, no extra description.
{"hour": 5, "minute": 9}
